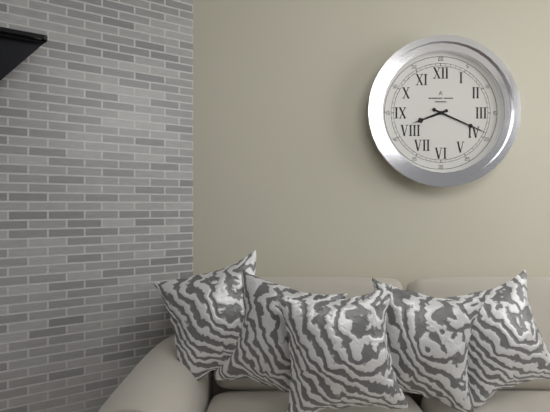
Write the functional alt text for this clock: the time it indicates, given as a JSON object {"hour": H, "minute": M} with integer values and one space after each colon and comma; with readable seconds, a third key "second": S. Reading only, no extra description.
{"hour": 8, "minute": 19}
